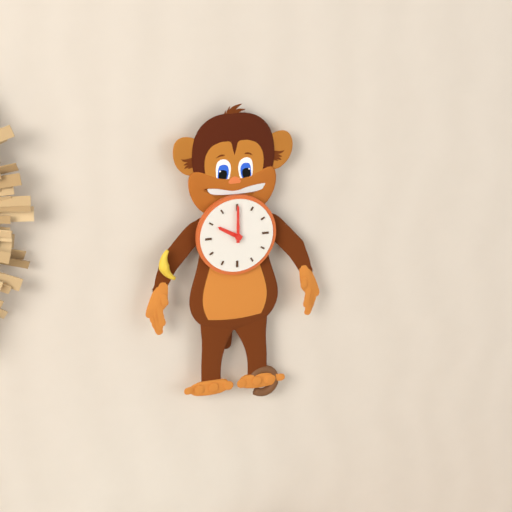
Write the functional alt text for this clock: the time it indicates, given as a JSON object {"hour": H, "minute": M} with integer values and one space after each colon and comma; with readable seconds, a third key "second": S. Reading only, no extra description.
{"hour": 10, "minute": 0}
